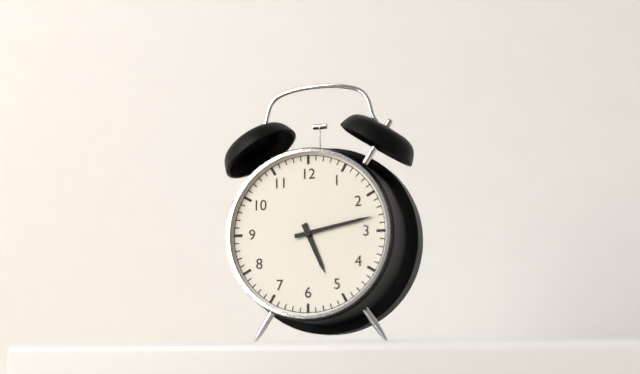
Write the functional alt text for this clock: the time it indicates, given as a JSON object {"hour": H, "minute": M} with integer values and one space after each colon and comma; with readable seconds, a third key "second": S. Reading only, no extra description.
{"hour": 5, "minute": 13}
